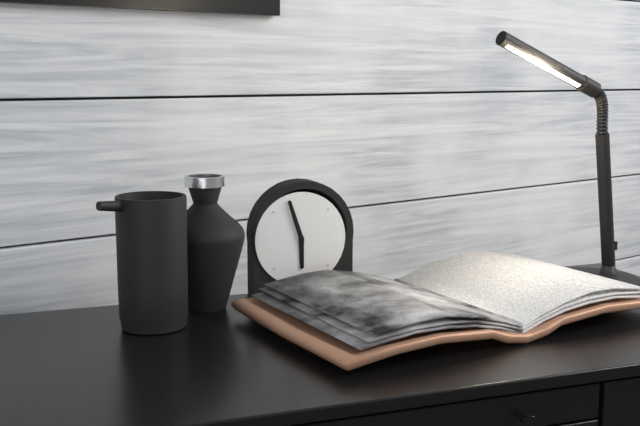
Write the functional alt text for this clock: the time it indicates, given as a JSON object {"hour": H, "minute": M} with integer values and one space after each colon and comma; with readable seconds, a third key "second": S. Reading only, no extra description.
{"hour": 5, "minute": 57}
